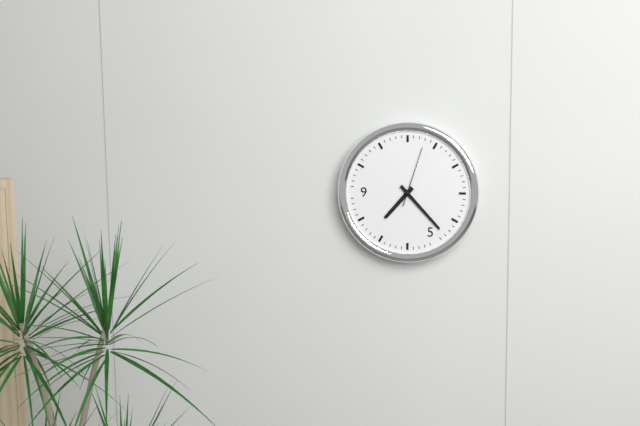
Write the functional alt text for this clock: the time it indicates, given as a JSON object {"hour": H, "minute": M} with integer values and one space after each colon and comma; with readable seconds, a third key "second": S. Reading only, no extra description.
{"hour": 7, "minute": 23, "second": 3}
